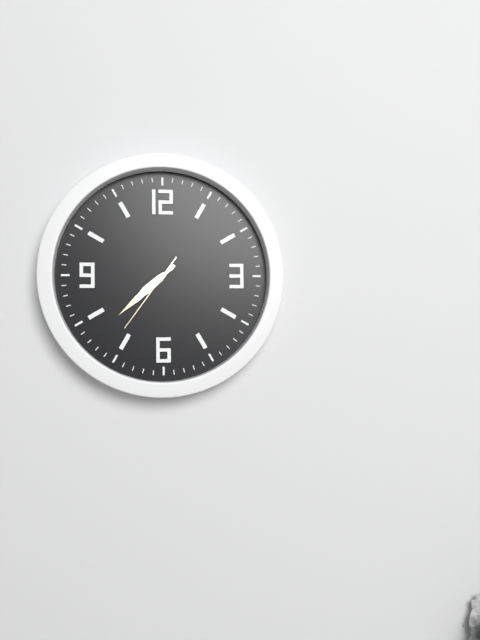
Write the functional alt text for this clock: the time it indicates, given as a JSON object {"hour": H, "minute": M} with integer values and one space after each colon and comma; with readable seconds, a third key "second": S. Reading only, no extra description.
{"hour": 7, "minute": 38, "second": 36}
